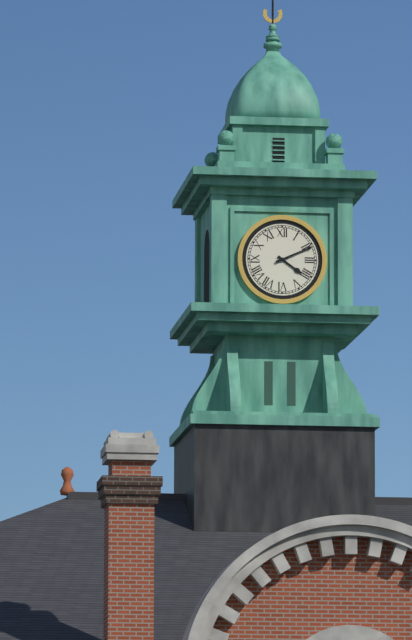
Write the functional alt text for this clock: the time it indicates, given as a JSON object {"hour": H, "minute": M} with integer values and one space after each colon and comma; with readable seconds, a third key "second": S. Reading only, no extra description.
{"hour": 4, "minute": 11}
